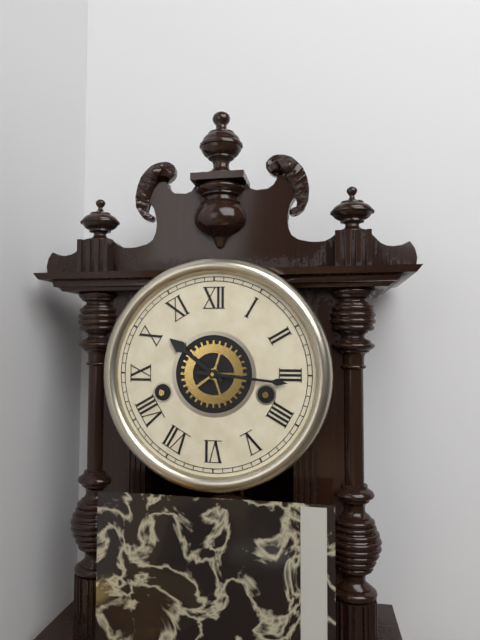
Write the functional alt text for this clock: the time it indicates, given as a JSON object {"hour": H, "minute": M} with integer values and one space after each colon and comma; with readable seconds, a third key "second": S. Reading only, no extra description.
{"hour": 10, "minute": 16}
